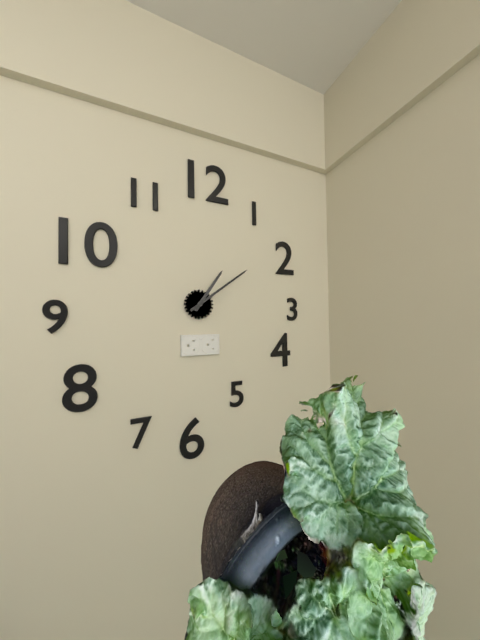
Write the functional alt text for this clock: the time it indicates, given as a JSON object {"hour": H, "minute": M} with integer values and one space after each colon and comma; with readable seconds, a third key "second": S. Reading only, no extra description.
{"hour": 1, "minute": 9}
